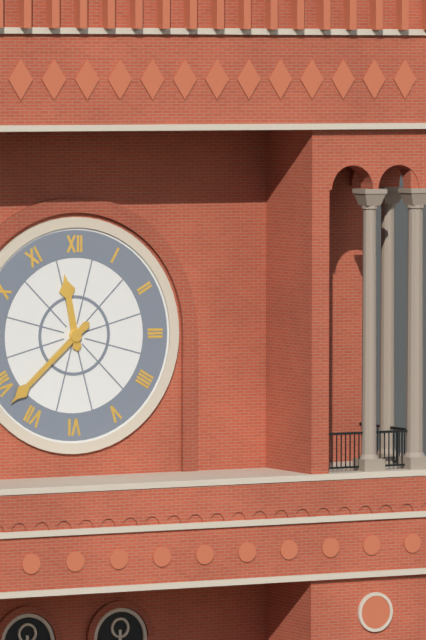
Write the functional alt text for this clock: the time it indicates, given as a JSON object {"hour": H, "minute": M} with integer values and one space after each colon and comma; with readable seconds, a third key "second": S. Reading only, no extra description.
{"hour": 11, "minute": 38}
